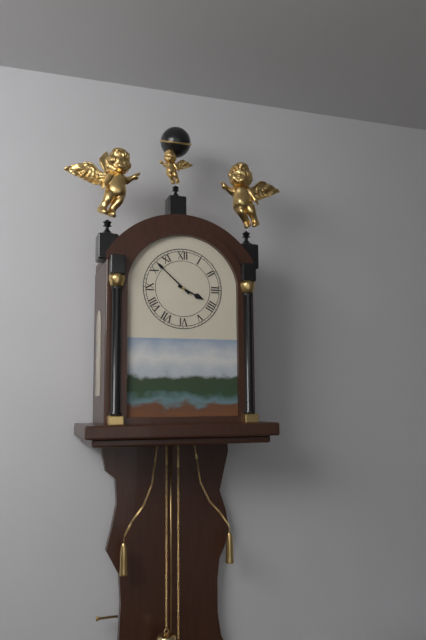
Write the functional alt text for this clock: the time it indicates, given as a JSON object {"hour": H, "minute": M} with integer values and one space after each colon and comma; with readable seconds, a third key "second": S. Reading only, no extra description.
{"hour": 3, "minute": 52}
